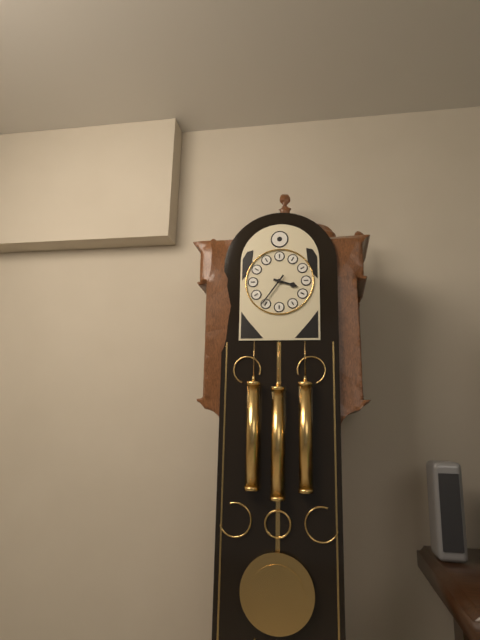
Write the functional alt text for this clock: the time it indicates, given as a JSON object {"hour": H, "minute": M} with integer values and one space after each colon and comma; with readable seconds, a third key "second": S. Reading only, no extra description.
{"hour": 3, "minute": 36}
